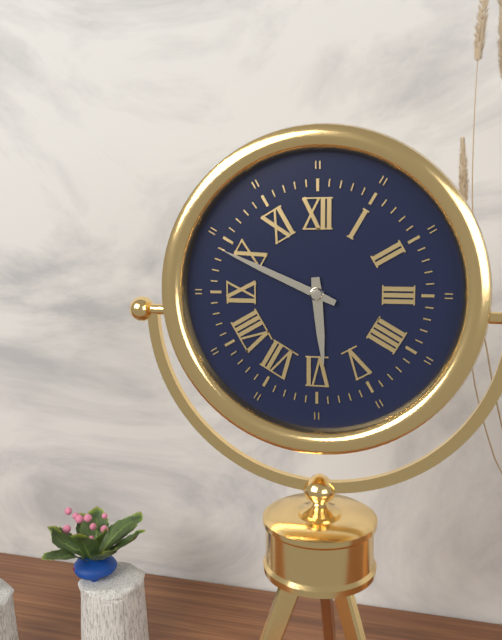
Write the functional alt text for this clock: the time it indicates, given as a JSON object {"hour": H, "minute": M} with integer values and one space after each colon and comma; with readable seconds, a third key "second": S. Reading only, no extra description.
{"hour": 5, "minute": 49}
